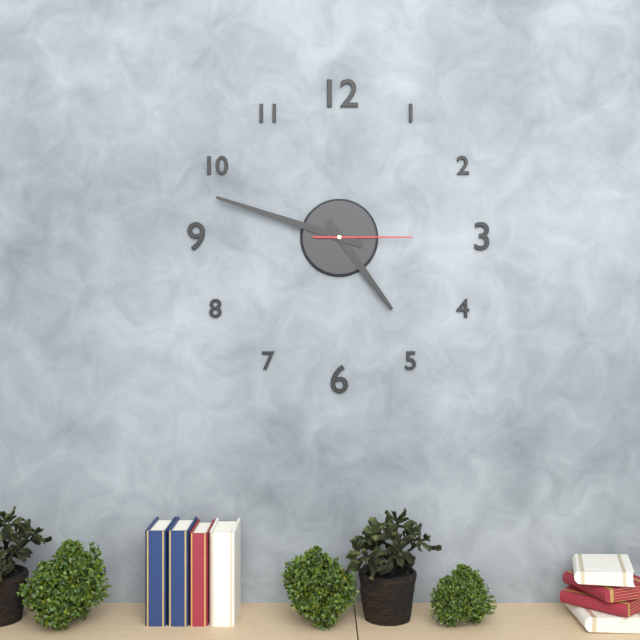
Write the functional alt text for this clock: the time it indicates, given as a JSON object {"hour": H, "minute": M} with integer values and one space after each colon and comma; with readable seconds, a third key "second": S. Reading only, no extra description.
{"hour": 4, "minute": 48, "second": 15}
